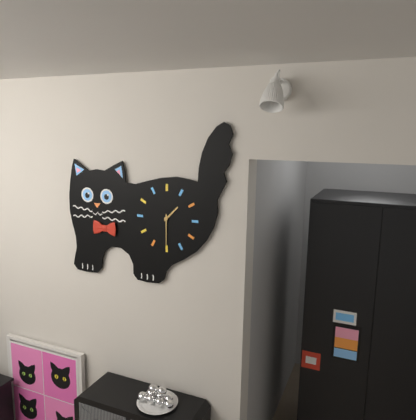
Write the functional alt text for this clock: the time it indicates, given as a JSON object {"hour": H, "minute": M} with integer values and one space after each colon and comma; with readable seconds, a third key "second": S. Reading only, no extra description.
{"hour": 1, "minute": 30}
